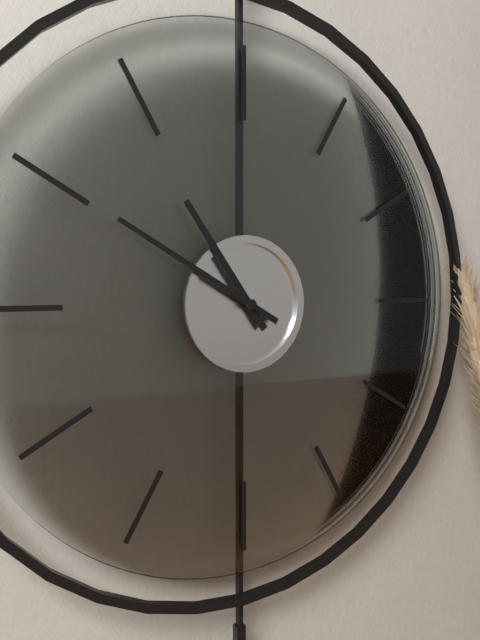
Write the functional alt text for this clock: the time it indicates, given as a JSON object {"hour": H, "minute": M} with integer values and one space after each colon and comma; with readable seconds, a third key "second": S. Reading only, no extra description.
{"hour": 10, "minute": 50}
